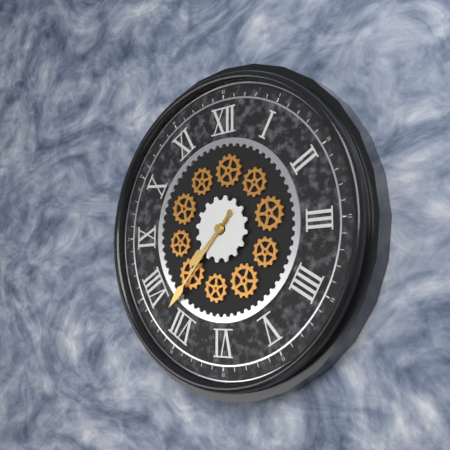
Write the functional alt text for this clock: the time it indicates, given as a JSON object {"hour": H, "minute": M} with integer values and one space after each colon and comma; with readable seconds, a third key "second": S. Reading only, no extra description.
{"hour": 7, "minute": 37}
